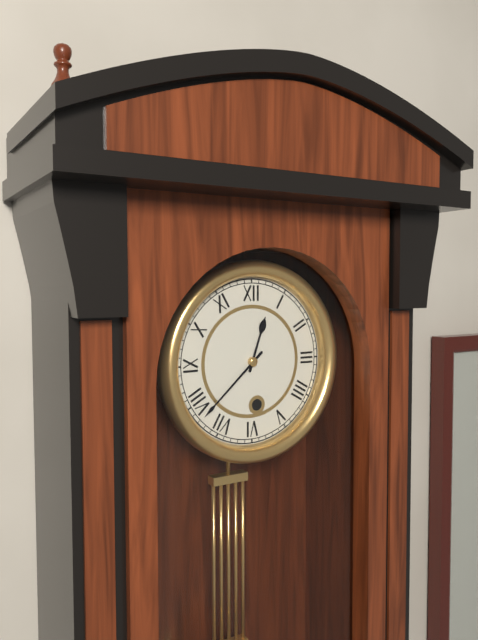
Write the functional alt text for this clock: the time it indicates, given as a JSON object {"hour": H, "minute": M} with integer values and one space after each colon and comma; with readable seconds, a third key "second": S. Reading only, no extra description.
{"hour": 12, "minute": 38}
